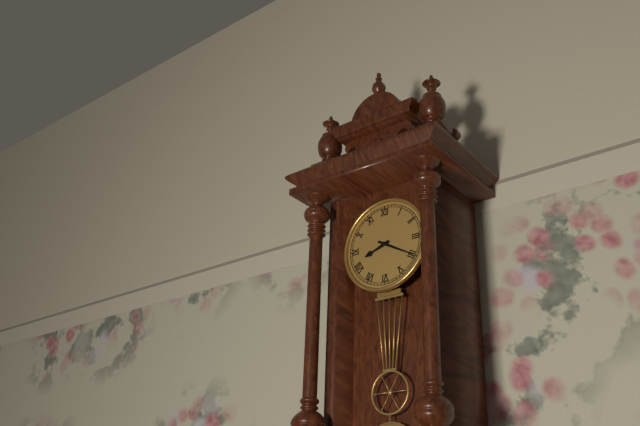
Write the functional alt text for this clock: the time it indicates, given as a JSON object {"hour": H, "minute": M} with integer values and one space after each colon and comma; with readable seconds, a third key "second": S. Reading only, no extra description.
{"hour": 8, "minute": 20}
